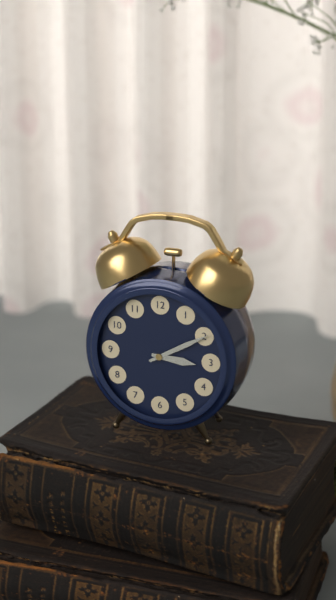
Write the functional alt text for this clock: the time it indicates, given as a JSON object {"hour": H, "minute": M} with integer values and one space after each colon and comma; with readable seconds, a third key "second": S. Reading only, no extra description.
{"hour": 3, "minute": 10}
